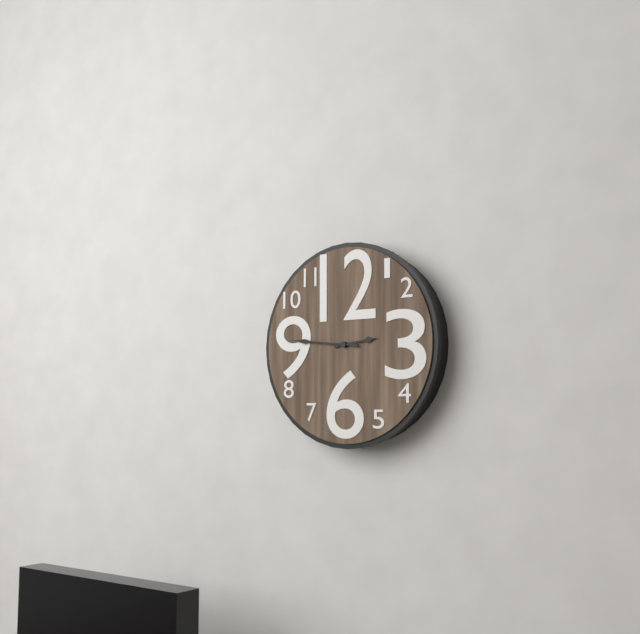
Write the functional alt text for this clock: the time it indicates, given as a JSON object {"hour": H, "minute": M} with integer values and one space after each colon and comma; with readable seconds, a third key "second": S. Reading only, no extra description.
{"hour": 2, "minute": 46}
